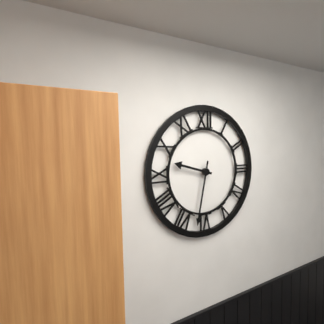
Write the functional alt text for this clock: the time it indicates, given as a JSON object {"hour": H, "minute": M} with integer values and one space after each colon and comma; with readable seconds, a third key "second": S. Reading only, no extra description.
{"hour": 9, "minute": 32}
